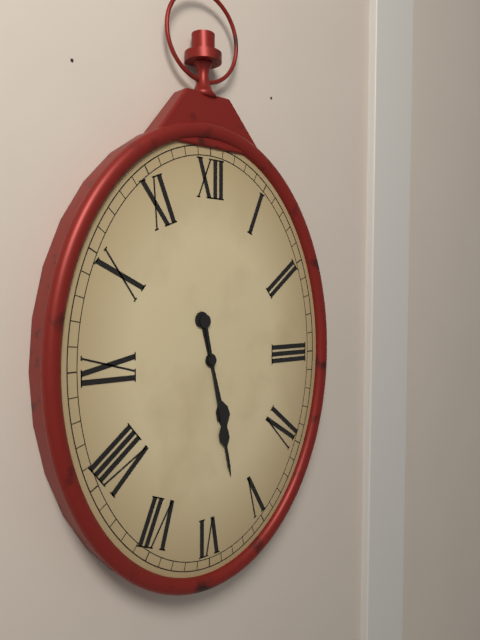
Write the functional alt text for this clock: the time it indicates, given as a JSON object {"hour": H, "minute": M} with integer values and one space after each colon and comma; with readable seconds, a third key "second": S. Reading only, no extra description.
{"hour": 5, "minute": 28}
